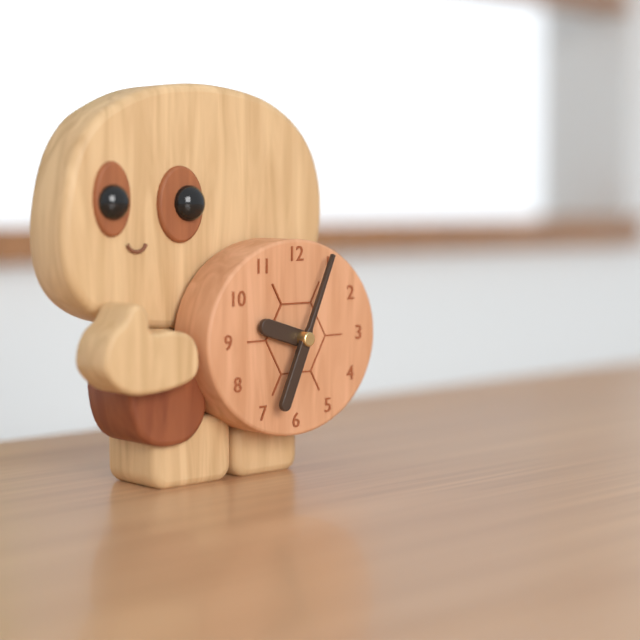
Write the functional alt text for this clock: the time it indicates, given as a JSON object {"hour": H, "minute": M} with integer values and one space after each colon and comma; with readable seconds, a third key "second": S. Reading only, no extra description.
{"hour": 9, "minute": 34}
